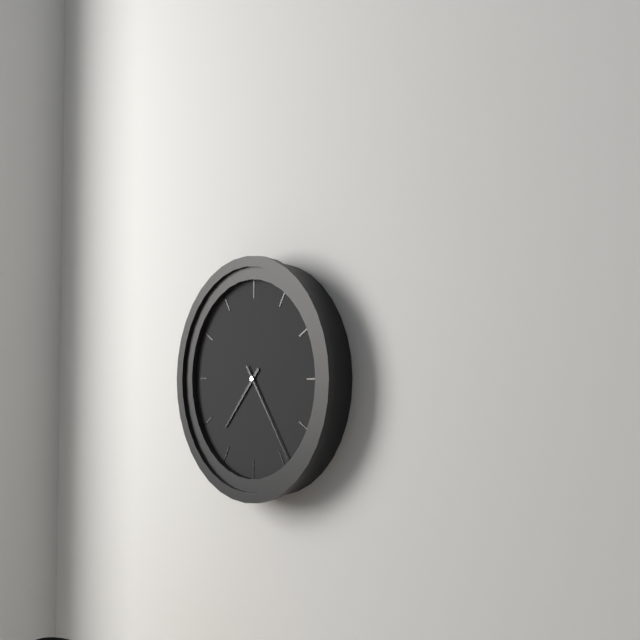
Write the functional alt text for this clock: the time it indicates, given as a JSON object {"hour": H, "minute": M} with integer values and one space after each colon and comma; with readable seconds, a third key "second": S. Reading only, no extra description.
{"hour": 7, "minute": 24}
